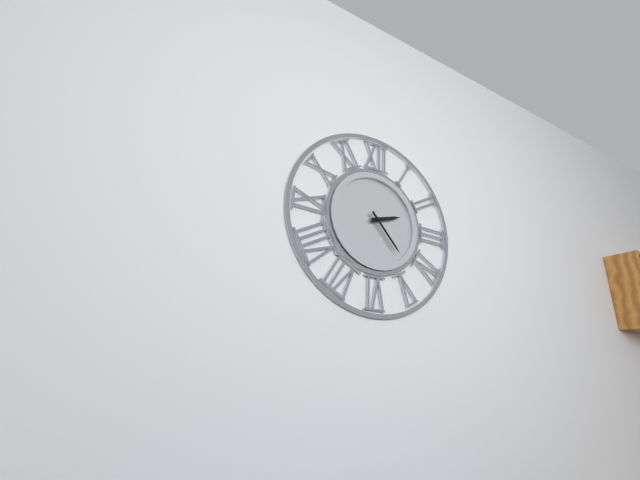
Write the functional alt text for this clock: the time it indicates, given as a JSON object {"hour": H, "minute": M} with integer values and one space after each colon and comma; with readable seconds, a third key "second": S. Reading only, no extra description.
{"hour": 2, "minute": 23}
